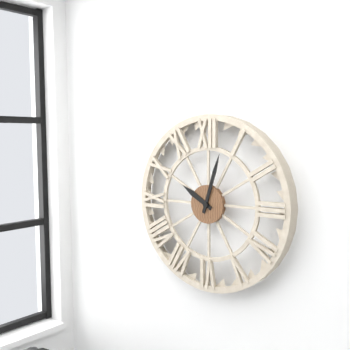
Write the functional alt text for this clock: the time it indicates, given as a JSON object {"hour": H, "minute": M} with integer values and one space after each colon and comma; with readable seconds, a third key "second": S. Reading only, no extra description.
{"hour": 10, "minute": 3}
